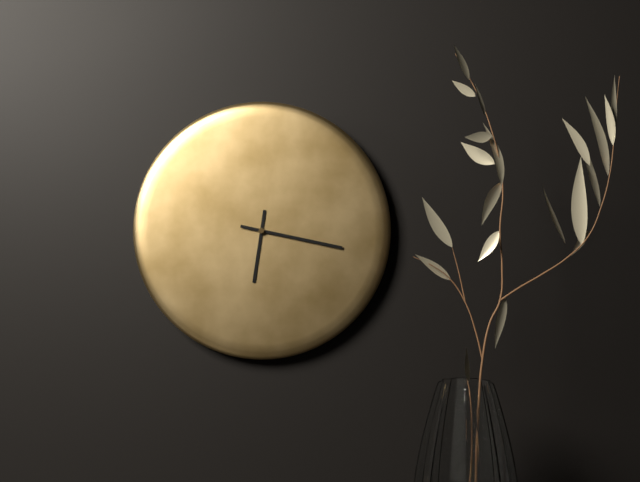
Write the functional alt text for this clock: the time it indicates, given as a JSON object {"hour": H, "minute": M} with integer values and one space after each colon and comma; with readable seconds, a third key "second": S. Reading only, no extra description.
{"hour": 6, "minute": 17}
